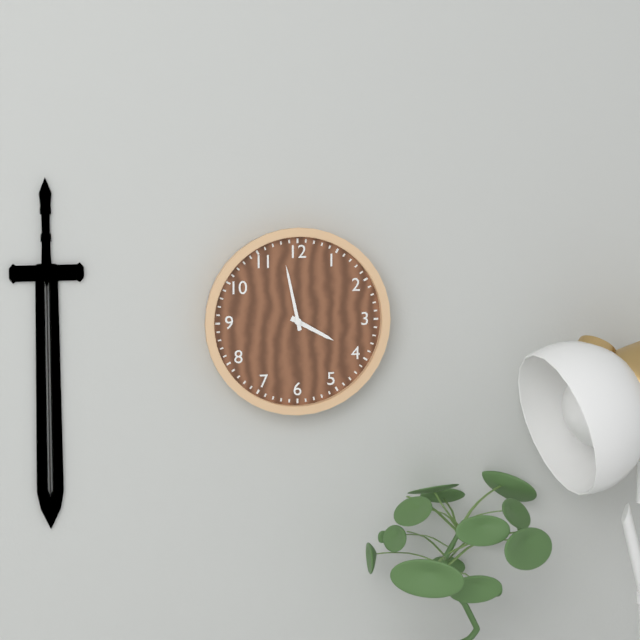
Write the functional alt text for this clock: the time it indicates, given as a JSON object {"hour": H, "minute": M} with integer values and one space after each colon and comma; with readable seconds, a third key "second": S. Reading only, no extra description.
{"hour": 3, "minute": 58}
